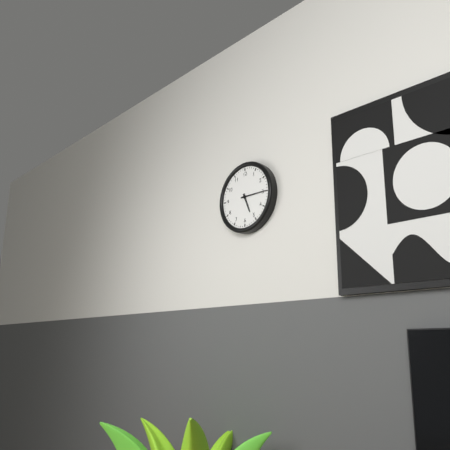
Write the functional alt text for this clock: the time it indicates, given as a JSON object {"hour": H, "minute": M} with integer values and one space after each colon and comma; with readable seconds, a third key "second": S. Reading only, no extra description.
{"hour": 5, "minute": 15}
